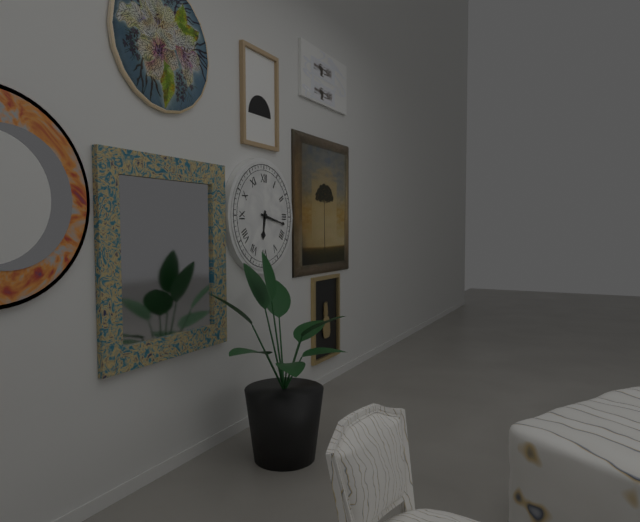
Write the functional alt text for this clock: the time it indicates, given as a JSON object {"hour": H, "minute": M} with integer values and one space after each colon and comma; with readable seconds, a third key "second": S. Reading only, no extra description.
{"hour": 6, "minute": 17}
